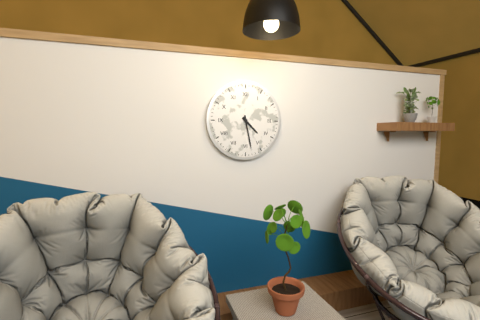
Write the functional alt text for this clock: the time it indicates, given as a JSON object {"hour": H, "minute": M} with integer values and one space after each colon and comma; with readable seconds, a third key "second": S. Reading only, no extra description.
{"hour": 4, "minute": 28}
